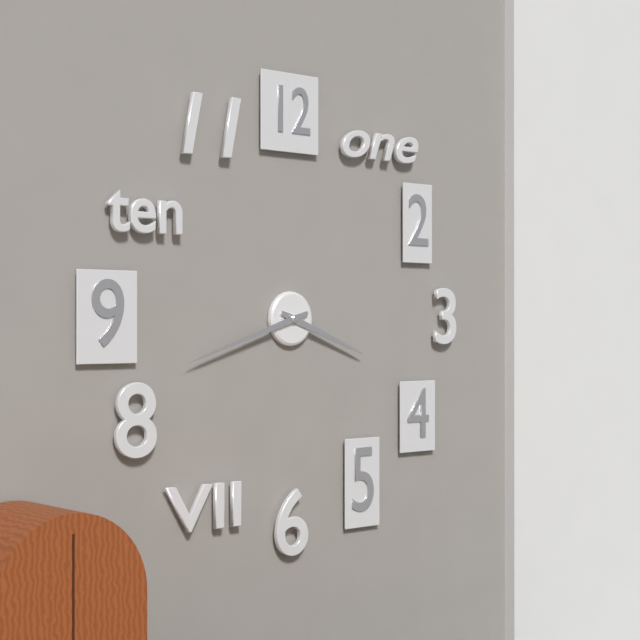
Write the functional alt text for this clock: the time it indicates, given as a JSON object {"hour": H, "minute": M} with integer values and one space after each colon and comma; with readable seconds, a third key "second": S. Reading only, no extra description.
{"hour": 3, "minute": 42}
